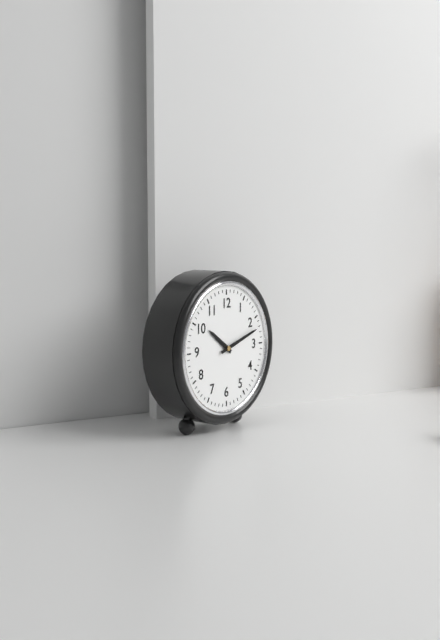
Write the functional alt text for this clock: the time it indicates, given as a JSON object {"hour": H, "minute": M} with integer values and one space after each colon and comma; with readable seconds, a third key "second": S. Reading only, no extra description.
{"hour": 10, "minute": 12}
